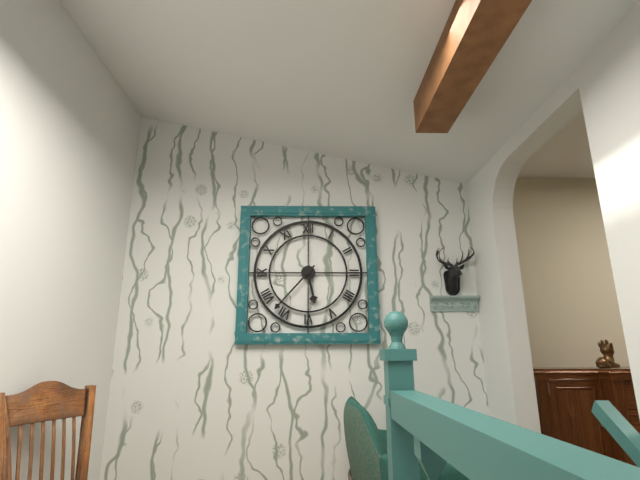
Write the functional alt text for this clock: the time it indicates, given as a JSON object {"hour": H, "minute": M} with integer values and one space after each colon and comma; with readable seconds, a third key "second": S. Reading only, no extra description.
{"hour": 5, "minute": 37}
